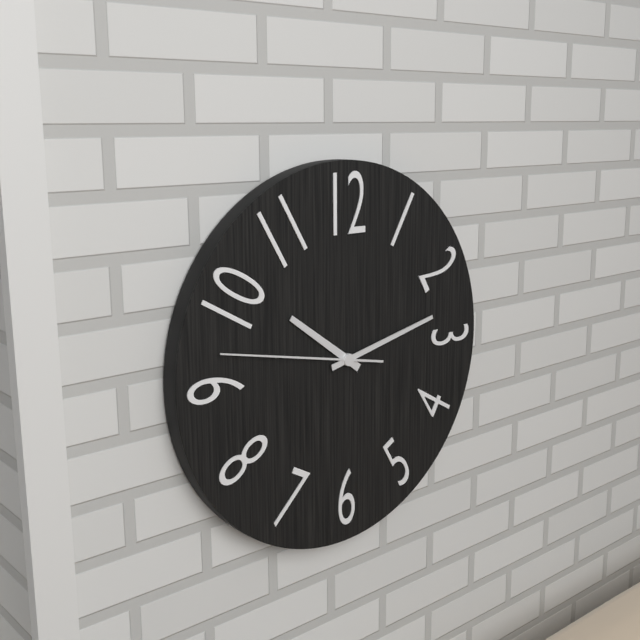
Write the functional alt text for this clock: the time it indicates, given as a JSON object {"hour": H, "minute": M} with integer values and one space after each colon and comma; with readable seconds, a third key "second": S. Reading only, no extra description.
{"hour": 10, "minute": 13, "second": 47}
